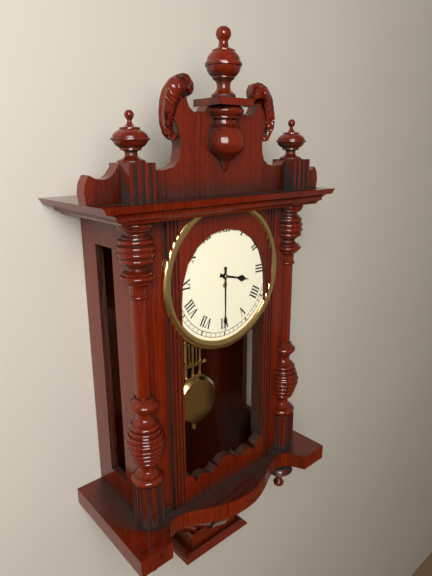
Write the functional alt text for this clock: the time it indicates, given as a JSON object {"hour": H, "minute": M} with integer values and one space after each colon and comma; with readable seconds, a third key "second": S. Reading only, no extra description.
{"hour": 3, "minute": 30}
